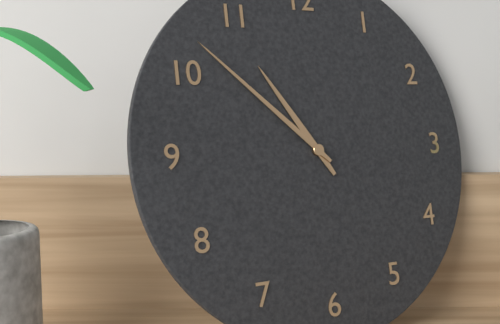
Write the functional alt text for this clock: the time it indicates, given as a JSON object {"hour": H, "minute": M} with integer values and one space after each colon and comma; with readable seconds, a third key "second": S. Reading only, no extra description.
{"hour": 10, "minute": 52}
